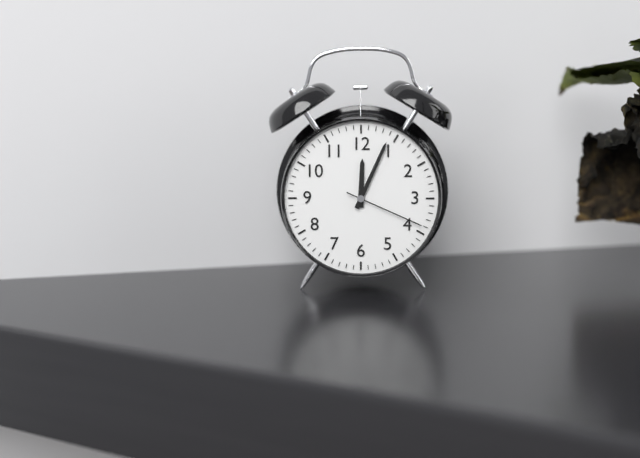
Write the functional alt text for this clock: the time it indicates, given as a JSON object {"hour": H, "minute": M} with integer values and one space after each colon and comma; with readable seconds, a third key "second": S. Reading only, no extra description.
{"hour": 12, "minute": 4, "second": 19}
